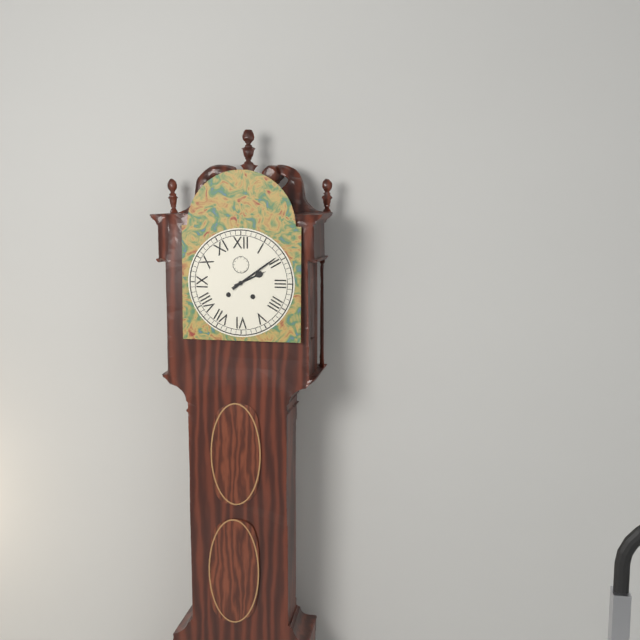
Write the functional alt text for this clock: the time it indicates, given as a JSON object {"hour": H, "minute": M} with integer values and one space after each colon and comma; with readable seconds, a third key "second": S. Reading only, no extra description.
{"hour": 2, "minute": 9}
